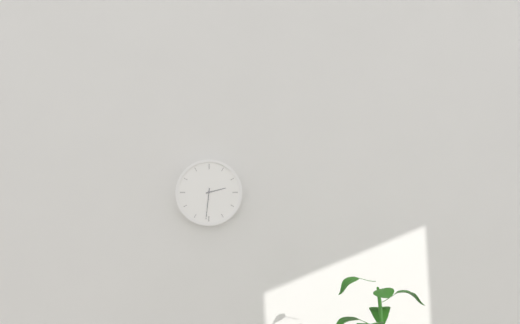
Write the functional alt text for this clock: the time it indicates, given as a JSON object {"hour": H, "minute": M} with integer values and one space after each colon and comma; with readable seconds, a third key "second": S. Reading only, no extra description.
{"hour": 2, "minute": 31}
